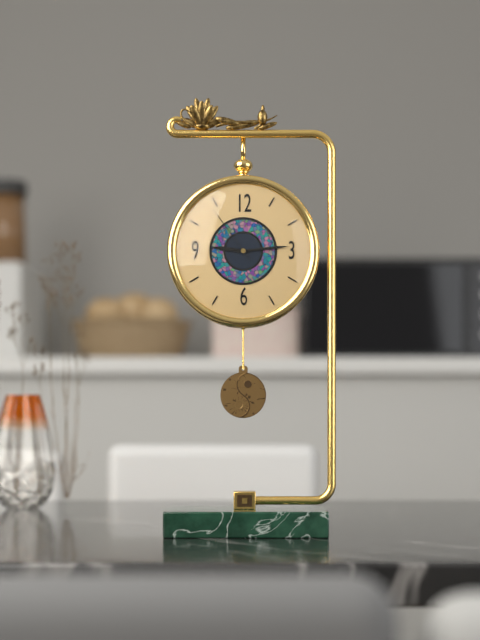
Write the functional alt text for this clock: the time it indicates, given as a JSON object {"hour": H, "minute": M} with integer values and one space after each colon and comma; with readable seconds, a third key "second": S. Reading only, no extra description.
{"hour": 9, "minute": 14, "second": 54}
